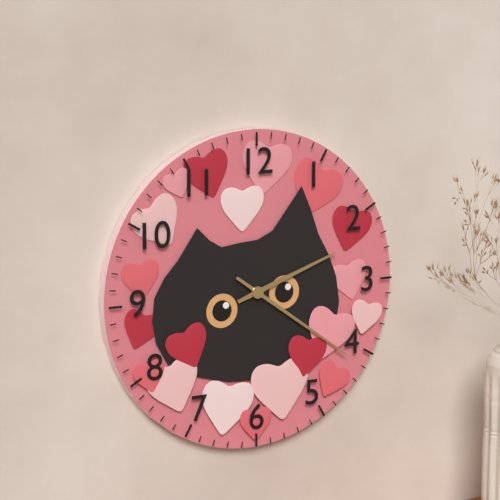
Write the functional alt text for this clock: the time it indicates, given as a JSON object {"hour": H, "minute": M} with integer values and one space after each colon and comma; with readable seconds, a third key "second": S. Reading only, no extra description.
{"hour": 2, "minute": 21}
